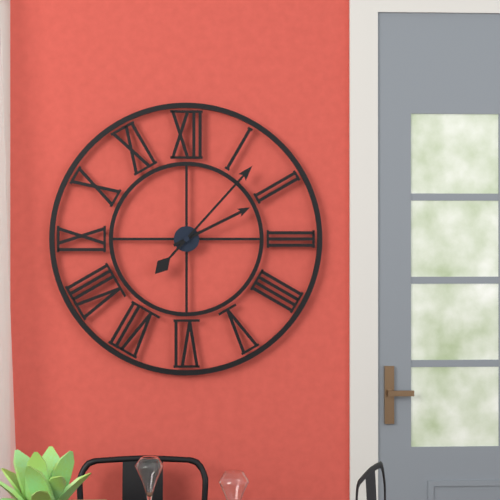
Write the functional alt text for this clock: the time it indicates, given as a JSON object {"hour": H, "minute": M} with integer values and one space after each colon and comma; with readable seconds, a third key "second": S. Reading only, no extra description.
{"hour": 2, "minute": 7}
